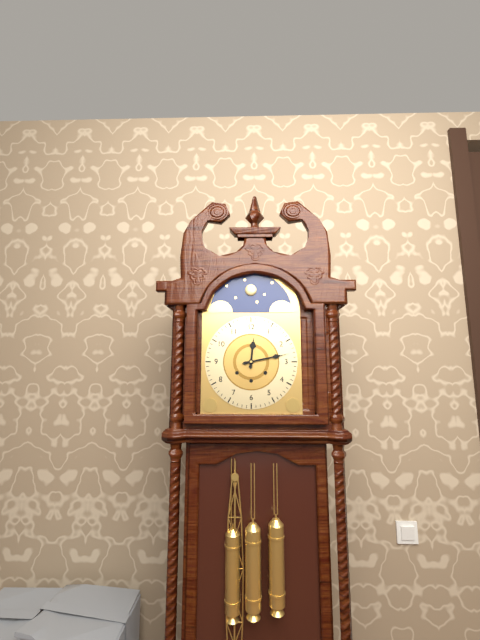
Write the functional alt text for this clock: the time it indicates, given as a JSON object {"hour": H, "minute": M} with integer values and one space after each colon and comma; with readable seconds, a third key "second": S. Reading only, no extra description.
{"hour": 12, "minute": 13}
